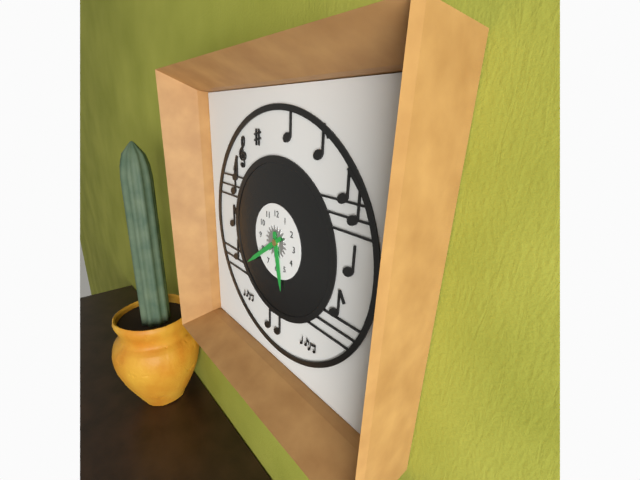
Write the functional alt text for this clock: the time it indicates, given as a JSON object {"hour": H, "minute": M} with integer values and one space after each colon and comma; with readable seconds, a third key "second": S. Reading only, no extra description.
{"hour": 5, "minute": 39}
